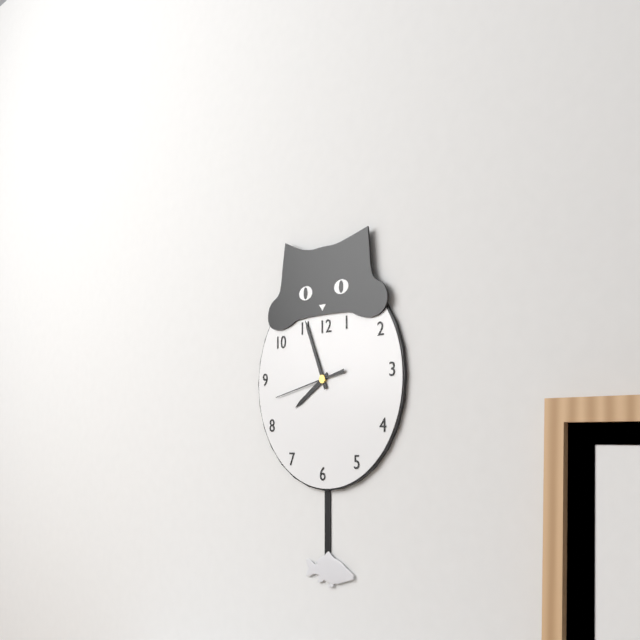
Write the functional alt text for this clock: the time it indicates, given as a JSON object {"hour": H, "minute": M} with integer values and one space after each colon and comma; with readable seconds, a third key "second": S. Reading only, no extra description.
{"hour": 7, "minute": 56, "second": 43}
